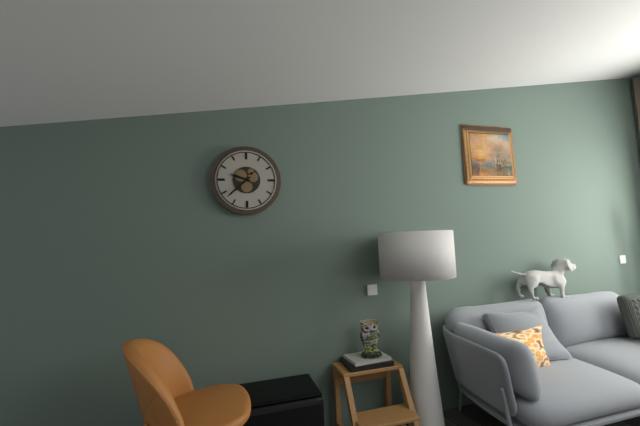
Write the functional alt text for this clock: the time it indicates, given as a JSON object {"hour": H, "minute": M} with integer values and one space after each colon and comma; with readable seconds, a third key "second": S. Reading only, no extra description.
{"hour": 9, "minute": 38}
